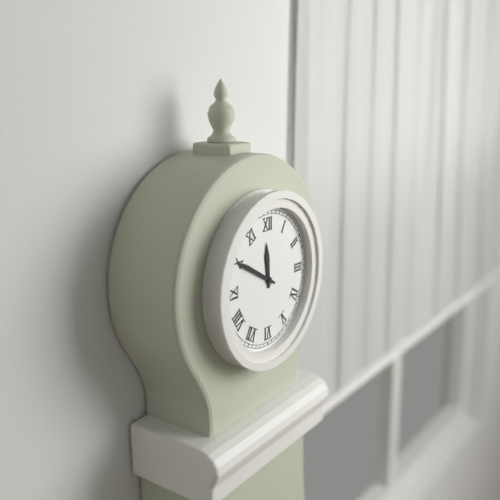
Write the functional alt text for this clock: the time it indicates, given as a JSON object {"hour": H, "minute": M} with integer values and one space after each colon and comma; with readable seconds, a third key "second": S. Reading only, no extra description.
{"hour": 11, "minute": 50}
